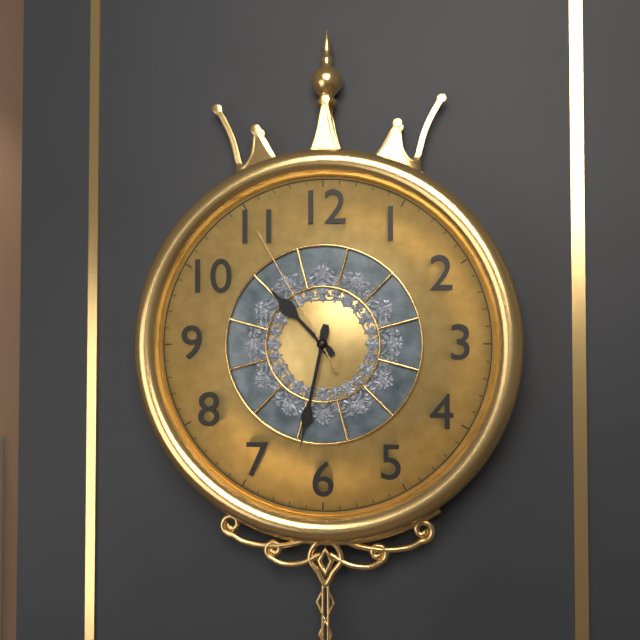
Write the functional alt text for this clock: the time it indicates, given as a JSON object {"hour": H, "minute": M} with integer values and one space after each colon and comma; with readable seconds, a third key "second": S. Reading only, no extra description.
{"hour": 10, "minute": 32, "second": 55}
